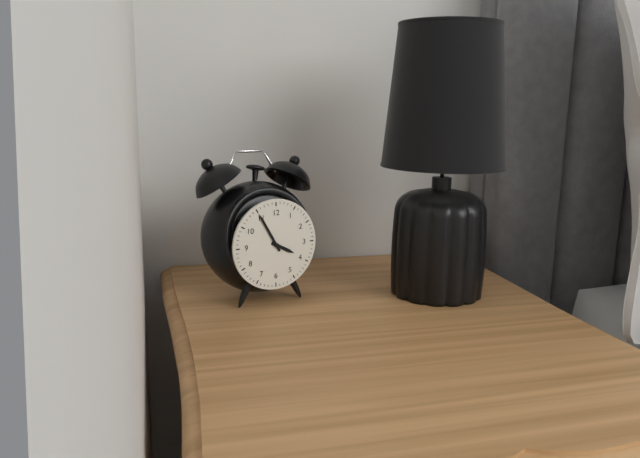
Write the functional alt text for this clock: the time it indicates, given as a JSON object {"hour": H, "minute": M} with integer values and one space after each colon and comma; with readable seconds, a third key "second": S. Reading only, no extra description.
{"hour": 3, "minute": 55}
